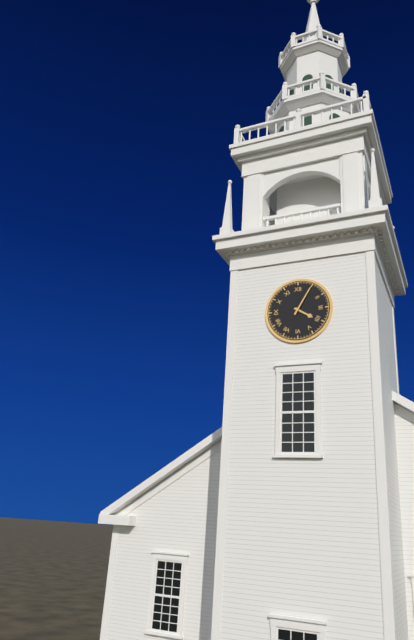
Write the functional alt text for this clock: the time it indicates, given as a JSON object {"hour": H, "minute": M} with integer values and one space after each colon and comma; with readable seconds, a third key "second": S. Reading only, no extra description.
{"hour": 4, "minute": 5}
